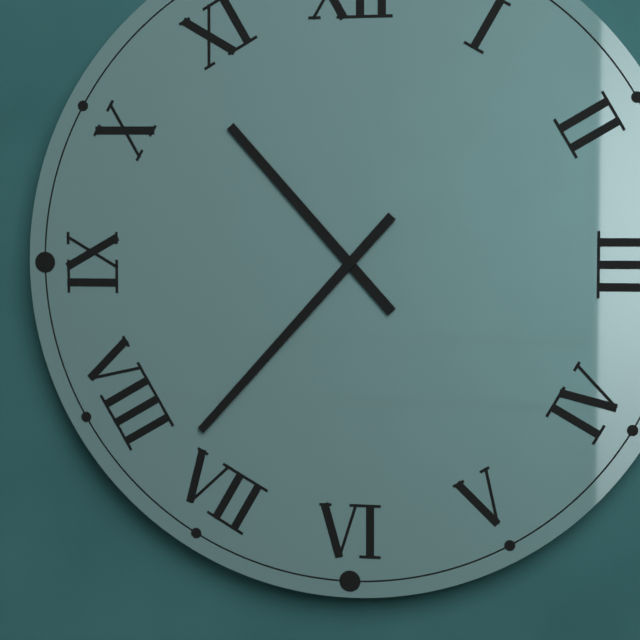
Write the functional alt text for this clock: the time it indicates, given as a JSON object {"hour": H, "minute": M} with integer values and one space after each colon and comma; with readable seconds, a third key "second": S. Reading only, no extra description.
{"hour": 10, "minute": 37}
